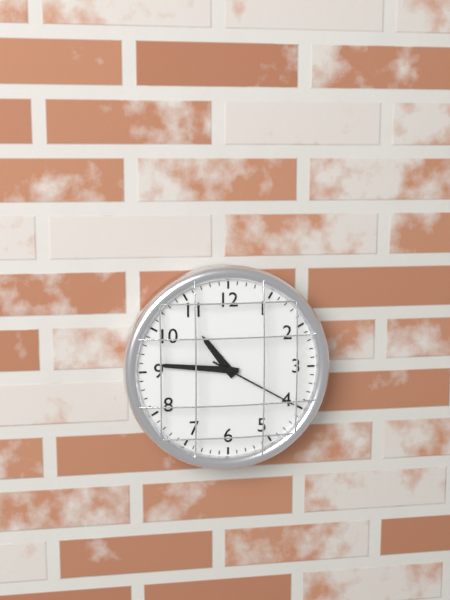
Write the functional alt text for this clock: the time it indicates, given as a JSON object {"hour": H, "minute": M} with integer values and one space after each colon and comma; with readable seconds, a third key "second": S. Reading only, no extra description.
{"hour": 10, "minute": 46, "second": 20}
